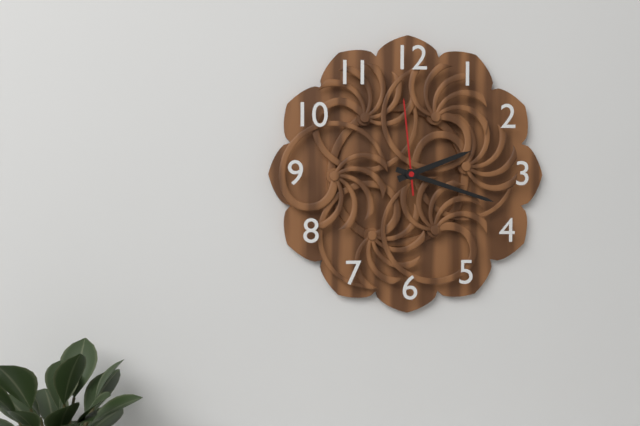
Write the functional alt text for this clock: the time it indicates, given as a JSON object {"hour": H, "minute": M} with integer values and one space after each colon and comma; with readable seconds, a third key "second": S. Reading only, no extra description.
{"hour": 2, "minute": 18, "second": 59}
